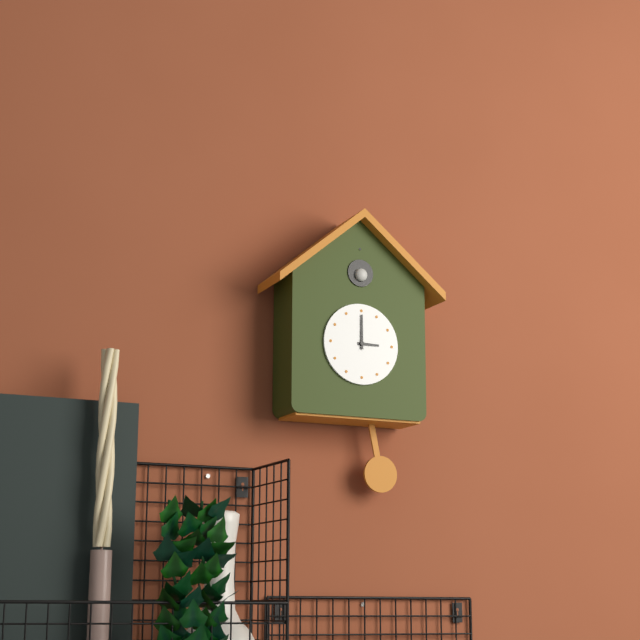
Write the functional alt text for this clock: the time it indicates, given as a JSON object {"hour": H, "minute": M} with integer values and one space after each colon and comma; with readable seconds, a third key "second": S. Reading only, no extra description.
{"hour": 3, "minute": 0}
